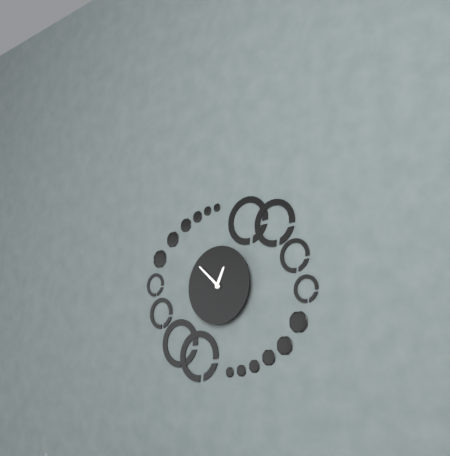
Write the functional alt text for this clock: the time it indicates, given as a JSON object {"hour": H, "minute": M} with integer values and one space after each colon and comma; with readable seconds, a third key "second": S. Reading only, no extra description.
{"hour": 12, "minute": 52}
